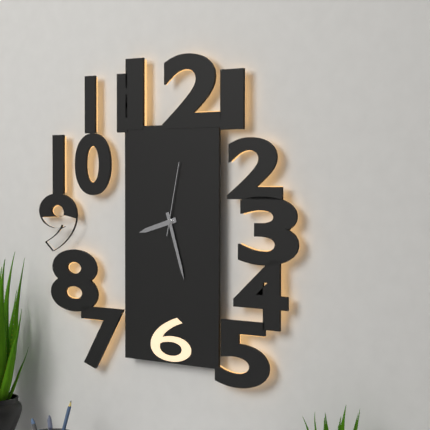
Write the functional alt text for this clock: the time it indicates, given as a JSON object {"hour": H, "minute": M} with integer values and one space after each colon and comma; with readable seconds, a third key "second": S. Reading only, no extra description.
{"hour": 8, "minute": 27, "second": 2}
